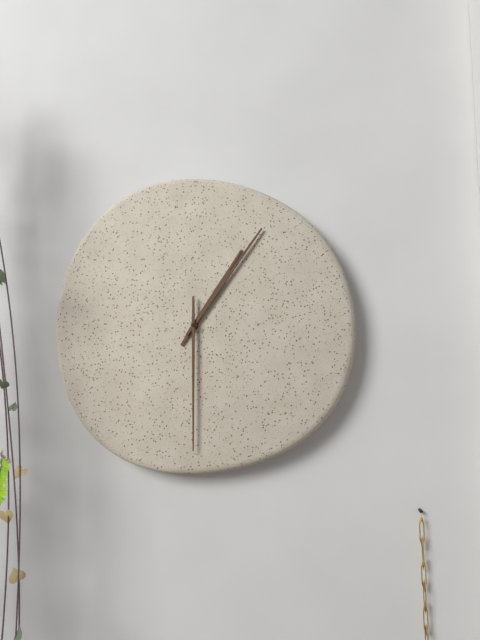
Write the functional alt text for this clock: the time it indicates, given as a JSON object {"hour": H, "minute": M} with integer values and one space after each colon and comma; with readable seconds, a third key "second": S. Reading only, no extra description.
{"hour": 1, "minute": 6, "second": 30}
